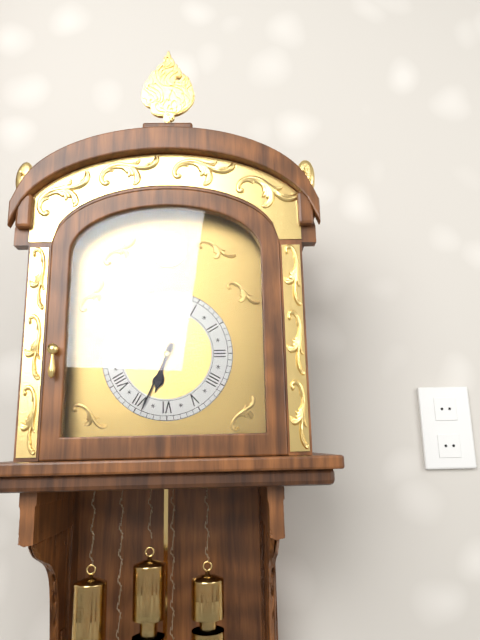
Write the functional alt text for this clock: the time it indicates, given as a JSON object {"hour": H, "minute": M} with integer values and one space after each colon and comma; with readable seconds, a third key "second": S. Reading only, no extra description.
{"hour": 6, "minute": 34}
